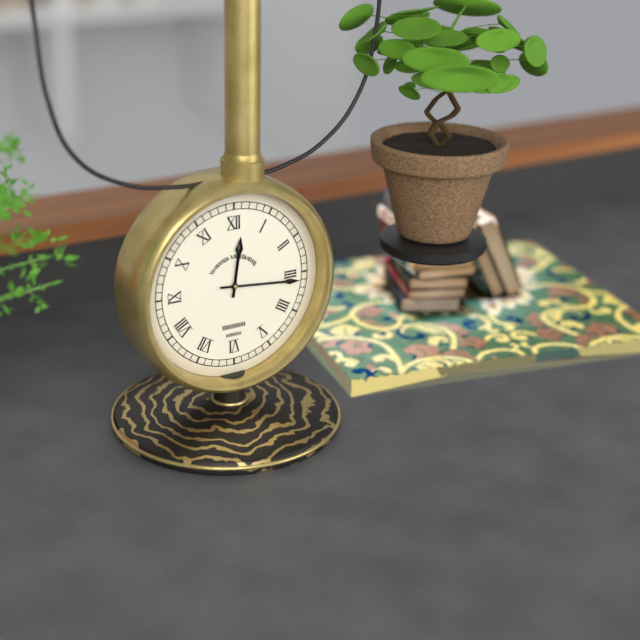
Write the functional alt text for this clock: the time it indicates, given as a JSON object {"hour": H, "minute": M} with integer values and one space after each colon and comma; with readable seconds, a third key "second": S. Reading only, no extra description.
{"hour": 12, "minute": 16}
